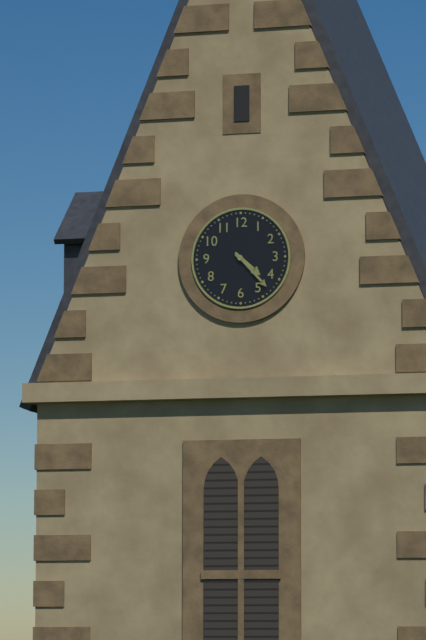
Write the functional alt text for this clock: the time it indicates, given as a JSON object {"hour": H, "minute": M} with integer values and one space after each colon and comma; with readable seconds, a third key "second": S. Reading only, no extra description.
{"hour": 4, "minute": 23}
